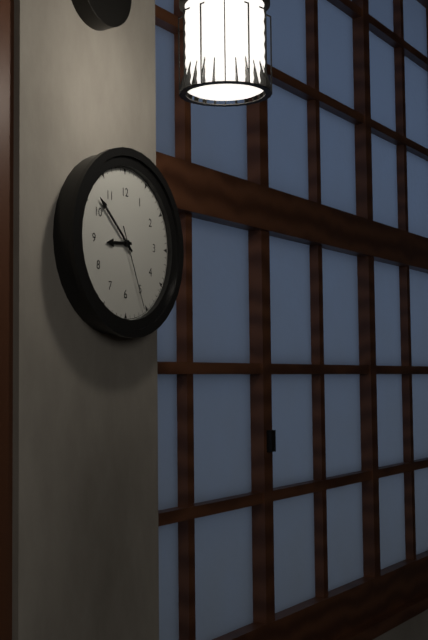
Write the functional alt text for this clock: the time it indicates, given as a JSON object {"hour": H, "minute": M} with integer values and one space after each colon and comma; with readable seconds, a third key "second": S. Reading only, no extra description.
{"hour": 8, "minute": 52, "second": 26}
